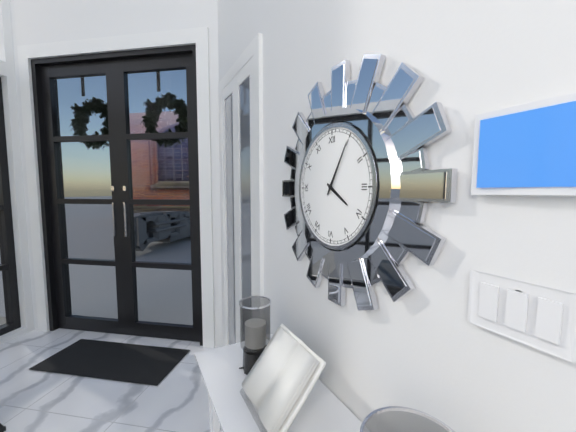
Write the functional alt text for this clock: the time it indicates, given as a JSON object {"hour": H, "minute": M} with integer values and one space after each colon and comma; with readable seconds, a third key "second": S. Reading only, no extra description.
{"hour": 4, "minute": 5}
